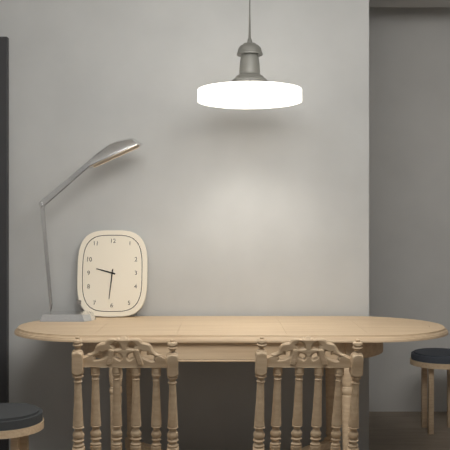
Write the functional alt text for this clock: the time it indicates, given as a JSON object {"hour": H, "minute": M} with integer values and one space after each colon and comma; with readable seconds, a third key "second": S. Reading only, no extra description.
{"hour": 9, "minute": 31}
